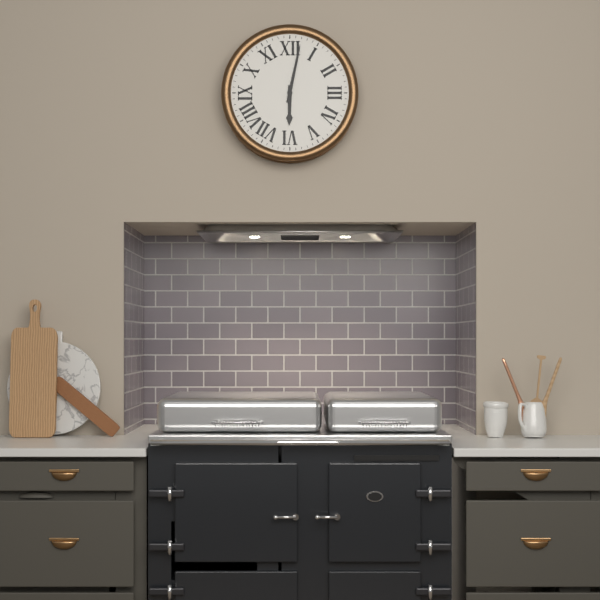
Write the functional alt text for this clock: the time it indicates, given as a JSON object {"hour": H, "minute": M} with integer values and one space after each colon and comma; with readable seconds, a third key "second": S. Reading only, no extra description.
{"hour": 6, "minute": 2}
